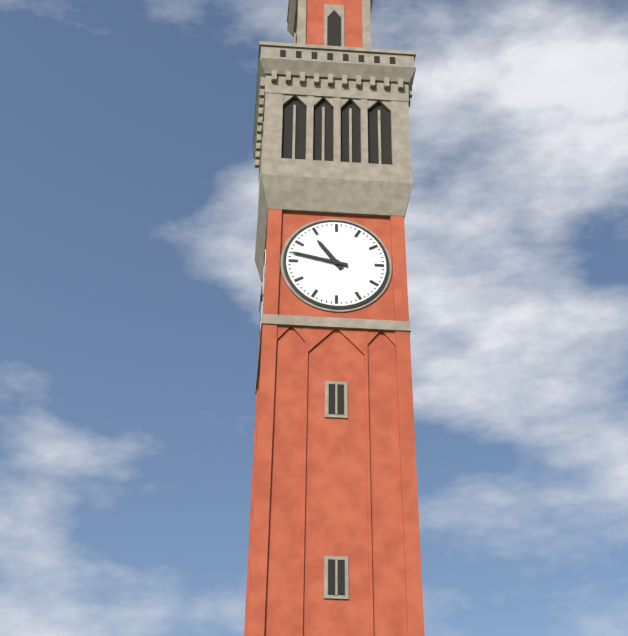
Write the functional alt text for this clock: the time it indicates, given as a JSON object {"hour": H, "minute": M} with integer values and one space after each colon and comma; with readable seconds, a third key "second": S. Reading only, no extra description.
{"hour": 10, "minute": 47}
